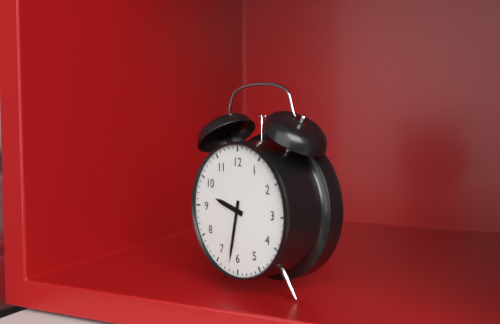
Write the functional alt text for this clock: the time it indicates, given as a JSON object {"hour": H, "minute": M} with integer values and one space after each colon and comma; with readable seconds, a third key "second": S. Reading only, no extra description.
{"hour": 9, "minute": 32}
